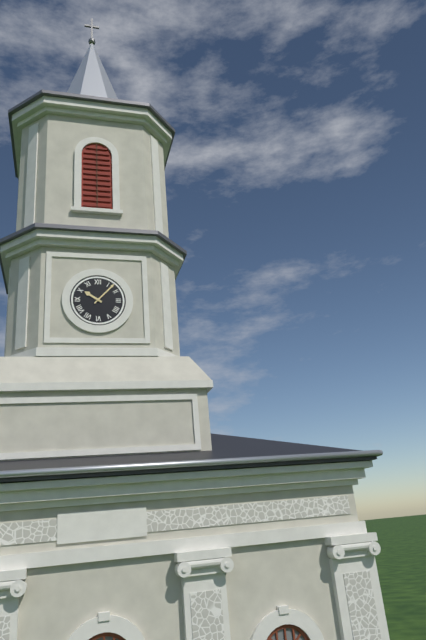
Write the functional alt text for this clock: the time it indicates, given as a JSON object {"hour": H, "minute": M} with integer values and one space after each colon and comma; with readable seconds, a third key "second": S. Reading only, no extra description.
{"hour": 10, "minute": 7}
